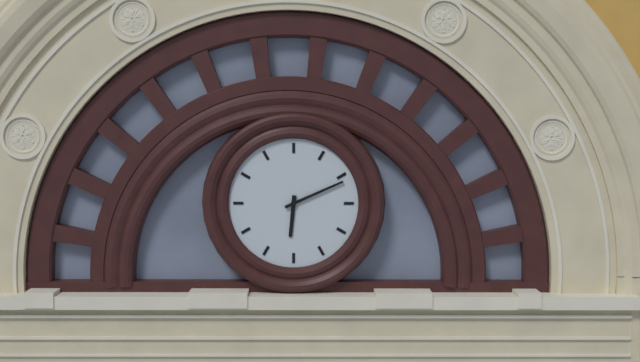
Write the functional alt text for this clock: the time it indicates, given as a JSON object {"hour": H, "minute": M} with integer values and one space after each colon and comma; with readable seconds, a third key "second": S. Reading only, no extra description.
{"hour": 6, "minute": 11}
